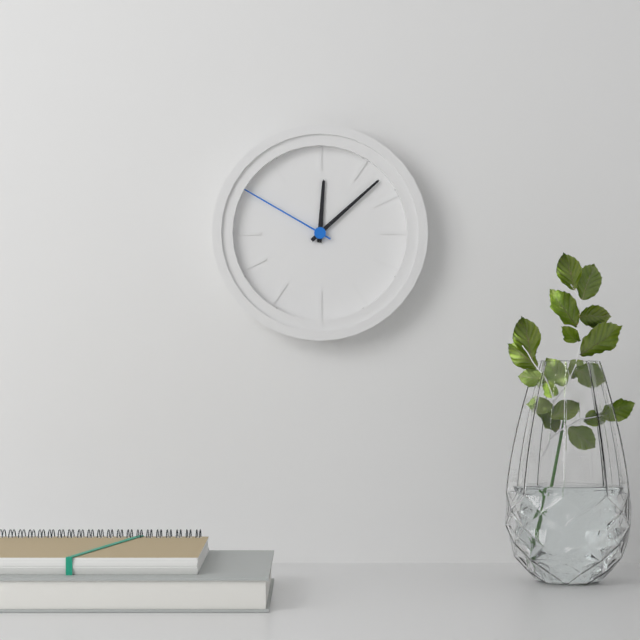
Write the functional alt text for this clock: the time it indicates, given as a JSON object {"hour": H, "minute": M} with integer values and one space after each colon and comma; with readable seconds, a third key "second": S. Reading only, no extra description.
{"hour": 12, "minute": 8, "second": 50}
